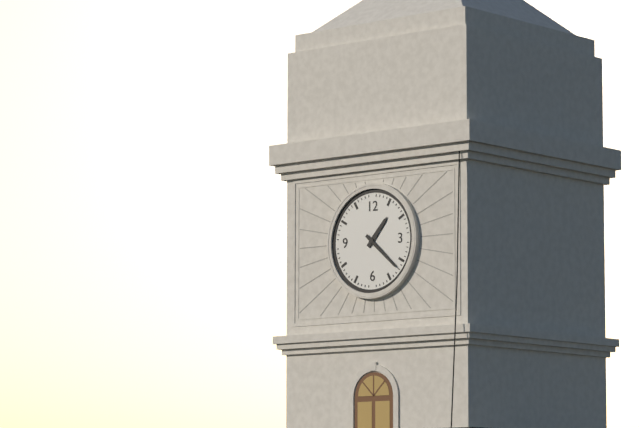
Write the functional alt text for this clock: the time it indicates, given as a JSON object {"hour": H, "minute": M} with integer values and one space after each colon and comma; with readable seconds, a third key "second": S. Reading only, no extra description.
{"hour": 1, "minute": 22}
